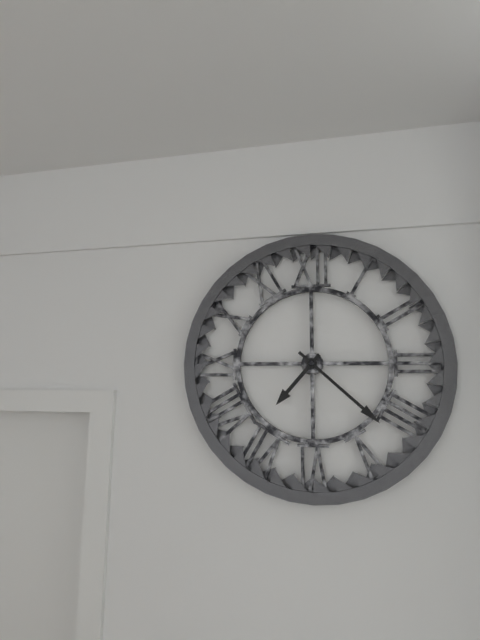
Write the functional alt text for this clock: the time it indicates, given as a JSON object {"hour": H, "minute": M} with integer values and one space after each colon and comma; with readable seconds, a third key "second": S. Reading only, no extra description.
{"hour": 7, "minute": 22}
